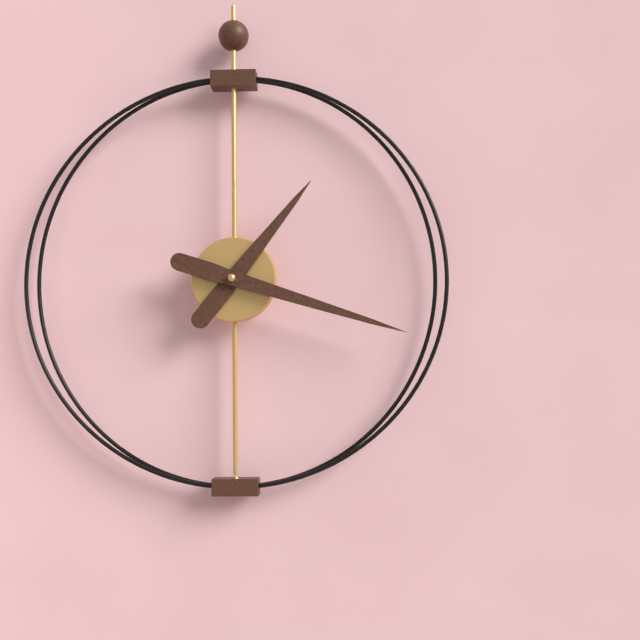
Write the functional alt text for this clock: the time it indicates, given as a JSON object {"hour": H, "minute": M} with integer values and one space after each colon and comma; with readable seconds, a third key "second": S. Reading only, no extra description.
{"hour": 1, "minute": 18}
